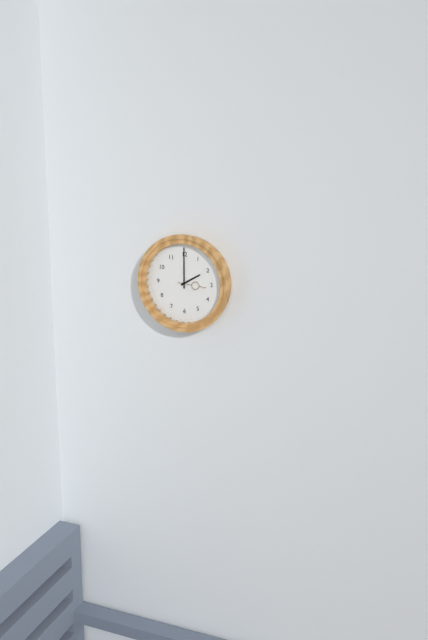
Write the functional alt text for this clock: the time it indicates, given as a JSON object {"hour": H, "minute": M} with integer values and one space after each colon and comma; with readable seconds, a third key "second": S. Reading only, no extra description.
{"hour": 2, "minute": 0}
